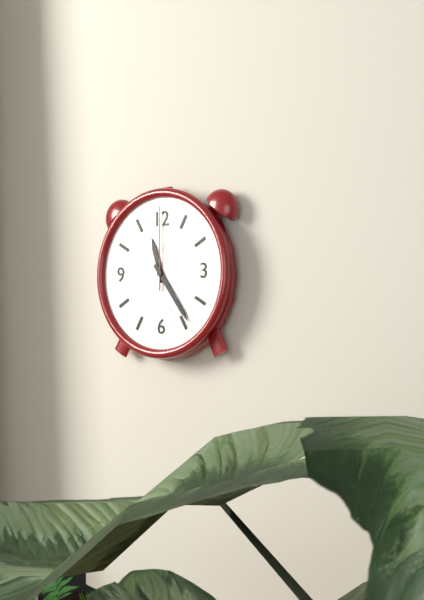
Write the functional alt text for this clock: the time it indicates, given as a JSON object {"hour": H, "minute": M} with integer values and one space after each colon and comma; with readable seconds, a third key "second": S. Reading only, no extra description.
{"hour": 11, "minute": 24, "second": 0}
